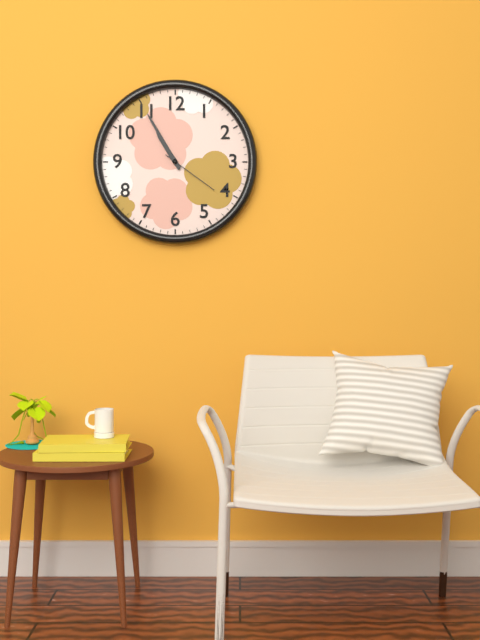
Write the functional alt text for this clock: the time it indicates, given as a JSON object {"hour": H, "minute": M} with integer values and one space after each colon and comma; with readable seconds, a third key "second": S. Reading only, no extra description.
{"hour": 10, "minute": 55, "second": 21}
